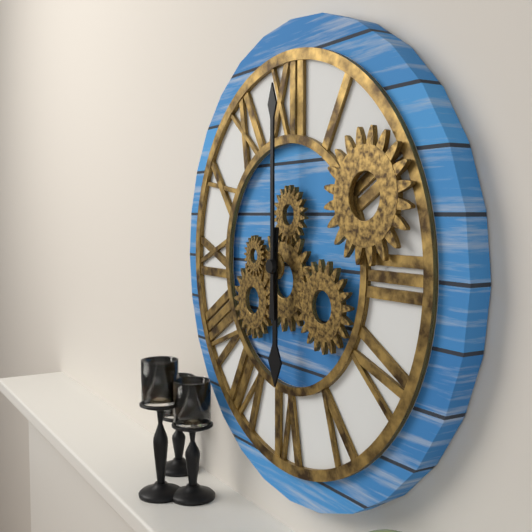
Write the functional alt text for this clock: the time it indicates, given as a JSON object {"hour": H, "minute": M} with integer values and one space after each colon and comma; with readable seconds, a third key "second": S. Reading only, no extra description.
{"hour": 6, "minute": 0}
